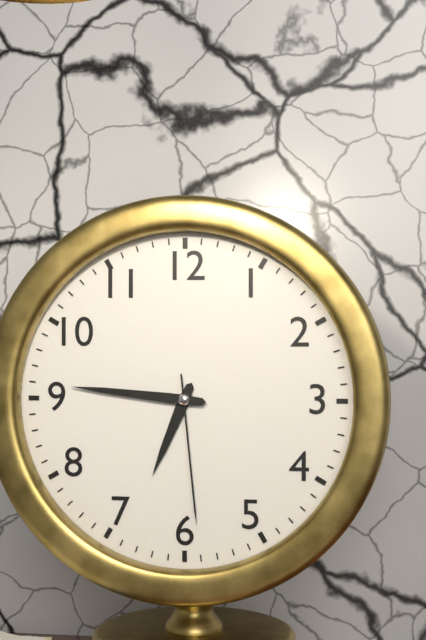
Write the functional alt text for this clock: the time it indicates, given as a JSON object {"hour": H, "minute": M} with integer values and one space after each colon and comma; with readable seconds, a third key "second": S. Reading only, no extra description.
{"hour": 6, "minute": 46, "second": 29}
